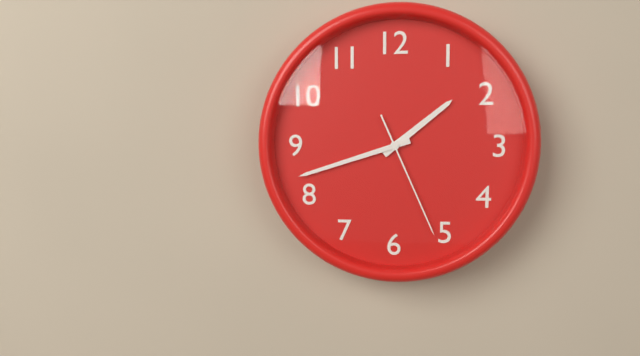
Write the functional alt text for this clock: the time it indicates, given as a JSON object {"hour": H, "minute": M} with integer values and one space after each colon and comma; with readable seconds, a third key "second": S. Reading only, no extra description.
{"hour": 1, "minute": 42, "second": 26}
